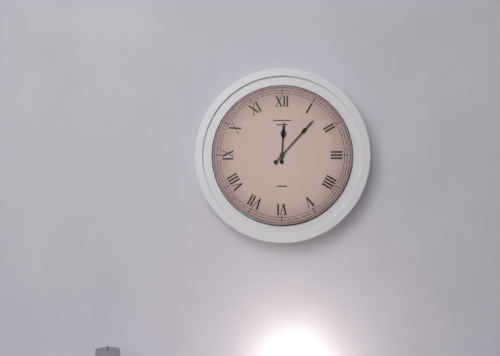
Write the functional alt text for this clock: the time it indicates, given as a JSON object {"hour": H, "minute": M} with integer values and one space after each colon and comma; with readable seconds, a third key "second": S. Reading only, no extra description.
{"hour": 12, "minute": 7}
